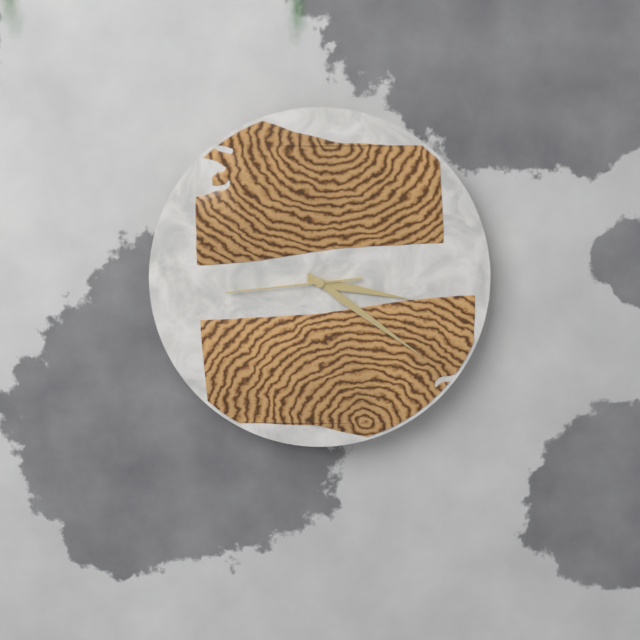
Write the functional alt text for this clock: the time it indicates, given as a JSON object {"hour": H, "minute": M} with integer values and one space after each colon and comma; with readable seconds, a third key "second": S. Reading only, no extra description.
{"hour": 3, "minute": 21, "second": 44}
